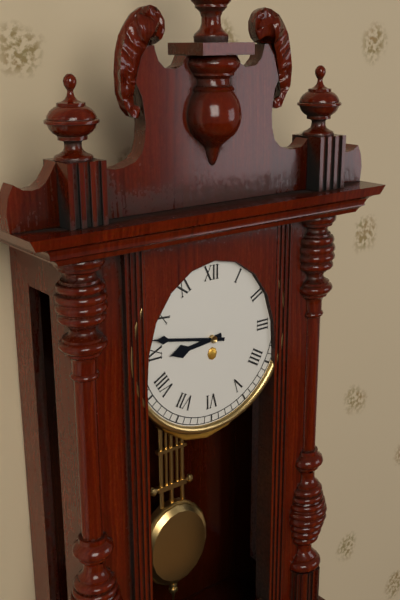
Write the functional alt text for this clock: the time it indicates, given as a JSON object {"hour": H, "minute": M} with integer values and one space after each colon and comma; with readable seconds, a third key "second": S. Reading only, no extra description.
{"hour": 8, "minute": 47}
